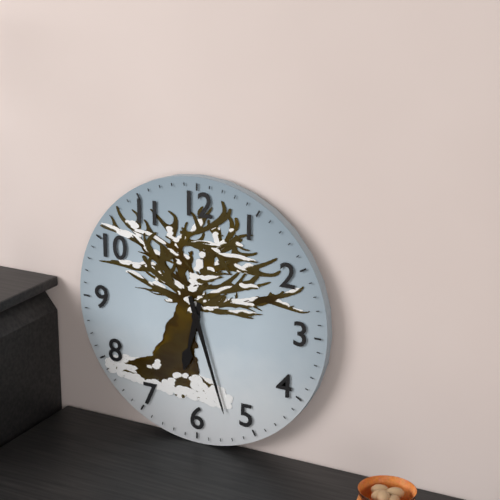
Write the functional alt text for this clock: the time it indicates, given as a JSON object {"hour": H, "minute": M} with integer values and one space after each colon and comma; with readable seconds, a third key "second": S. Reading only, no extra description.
{"hour": 6, "minute": 27}
